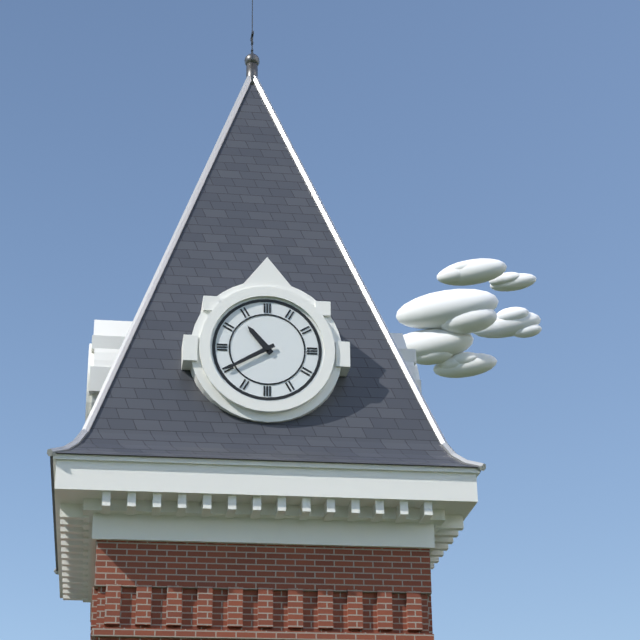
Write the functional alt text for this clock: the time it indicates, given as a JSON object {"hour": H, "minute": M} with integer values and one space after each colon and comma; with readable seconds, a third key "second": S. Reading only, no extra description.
{"hour": 10, "minute": 40}
